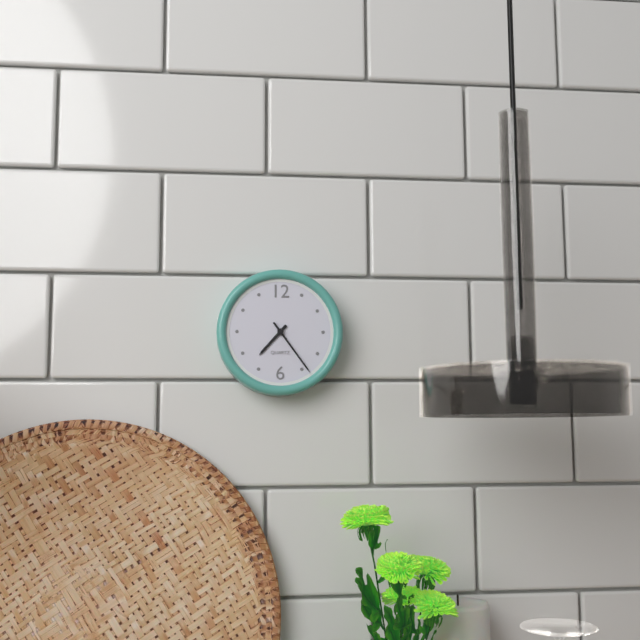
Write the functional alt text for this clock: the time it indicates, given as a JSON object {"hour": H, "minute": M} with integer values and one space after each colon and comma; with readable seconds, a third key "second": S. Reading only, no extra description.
{"hour": 7, "minute": 24}
